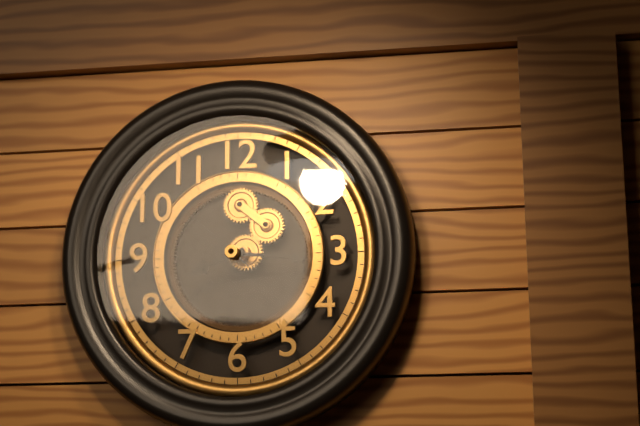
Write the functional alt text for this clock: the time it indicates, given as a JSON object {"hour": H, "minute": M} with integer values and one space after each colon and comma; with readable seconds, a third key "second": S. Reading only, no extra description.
{"hour": 8, "minute": 16, "second": 52}
